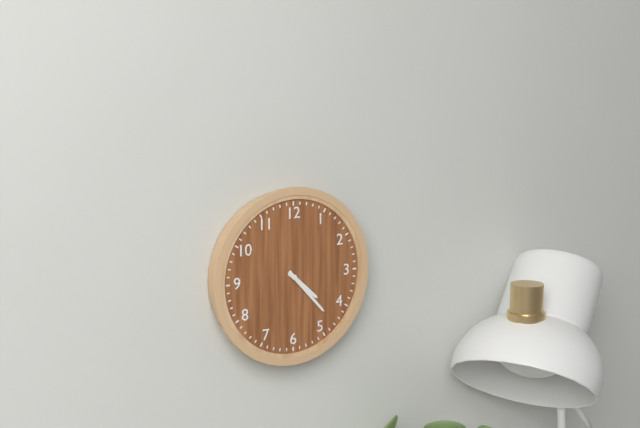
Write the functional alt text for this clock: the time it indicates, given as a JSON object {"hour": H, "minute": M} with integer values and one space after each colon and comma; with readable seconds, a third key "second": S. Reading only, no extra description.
{"hour": 4, "minute": 23}
